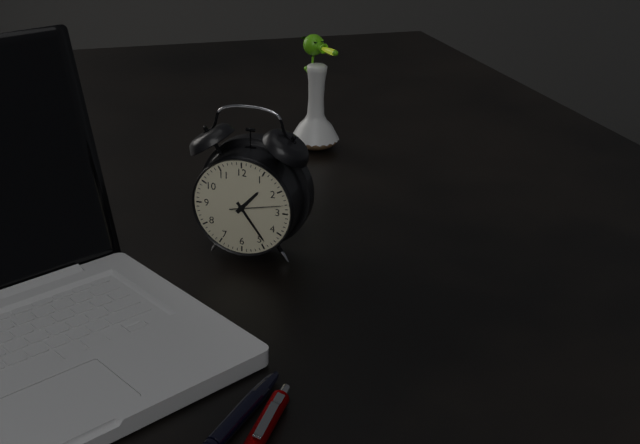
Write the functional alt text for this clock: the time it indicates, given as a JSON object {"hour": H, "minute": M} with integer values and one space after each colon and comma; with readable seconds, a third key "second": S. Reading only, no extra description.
{"hour": 1, "minute": 24}
